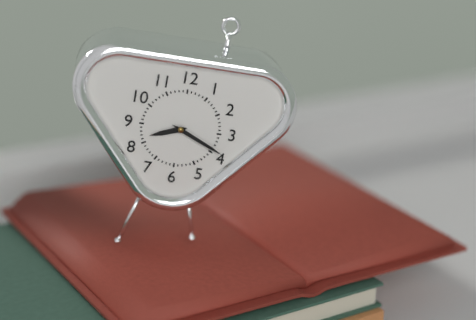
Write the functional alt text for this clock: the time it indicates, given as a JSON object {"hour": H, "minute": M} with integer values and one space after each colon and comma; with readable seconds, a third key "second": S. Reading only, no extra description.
{"hour": 8, "minute": 19}
